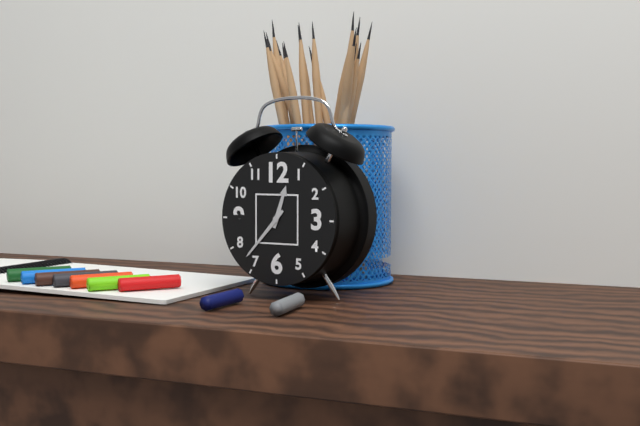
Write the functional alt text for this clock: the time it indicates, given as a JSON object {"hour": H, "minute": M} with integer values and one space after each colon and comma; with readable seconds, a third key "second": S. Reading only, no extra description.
{"hour": 12, "minute": 37}
